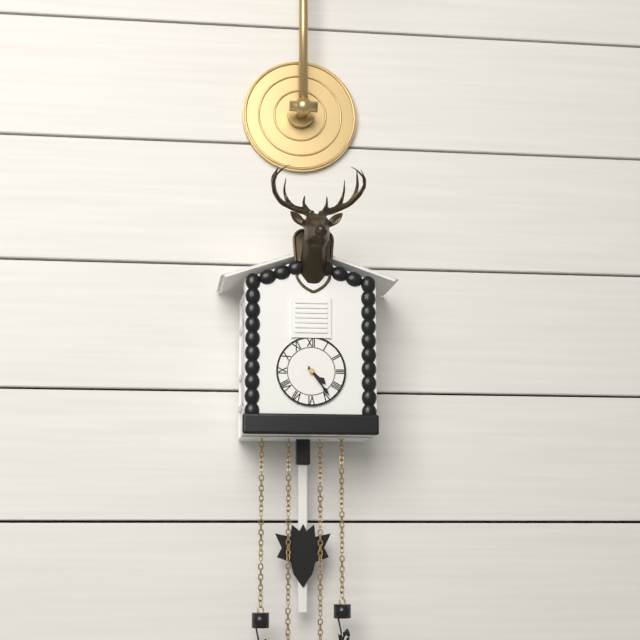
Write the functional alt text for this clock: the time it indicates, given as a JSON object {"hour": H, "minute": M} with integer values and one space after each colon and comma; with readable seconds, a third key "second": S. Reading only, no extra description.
{"hour": 4, "minute": 24}
